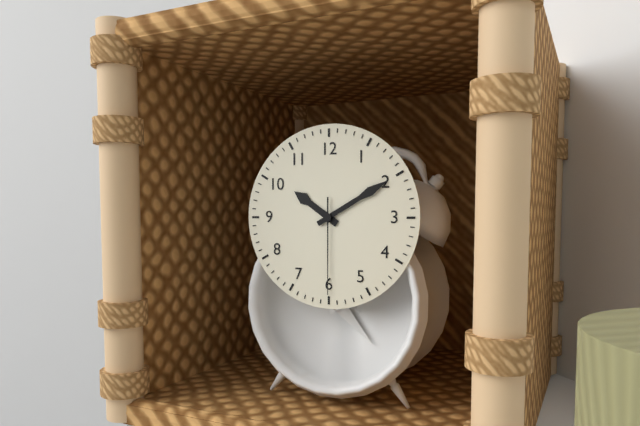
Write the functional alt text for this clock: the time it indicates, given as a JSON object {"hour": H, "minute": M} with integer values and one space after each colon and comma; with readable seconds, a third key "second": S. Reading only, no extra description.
{"hour": 10, "minute": 10, "second": 30}
